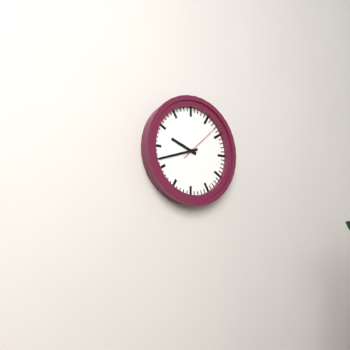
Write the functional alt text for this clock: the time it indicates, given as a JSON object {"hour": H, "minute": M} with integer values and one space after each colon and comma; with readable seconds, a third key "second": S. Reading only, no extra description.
{"hour": 9, "minute": 42}
